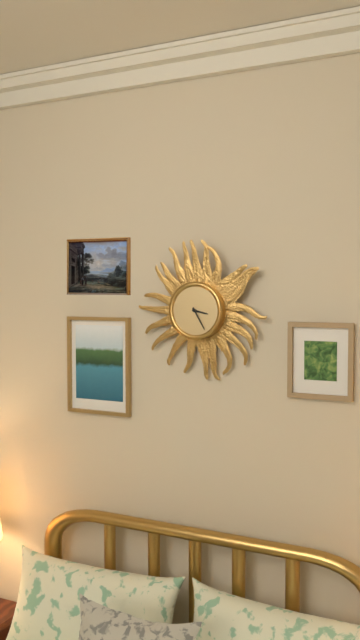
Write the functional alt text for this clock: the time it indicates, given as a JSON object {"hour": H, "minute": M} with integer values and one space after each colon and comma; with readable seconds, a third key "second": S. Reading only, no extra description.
{"hour": 3, "minute": 25}
